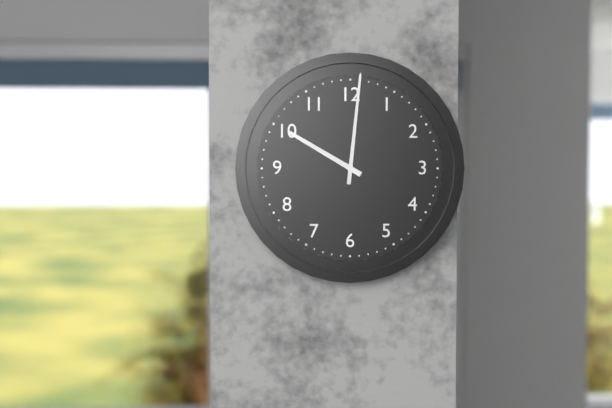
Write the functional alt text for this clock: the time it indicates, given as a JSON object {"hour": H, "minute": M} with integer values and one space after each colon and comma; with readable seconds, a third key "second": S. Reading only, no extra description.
{"hour": 10, "minute": 1}
